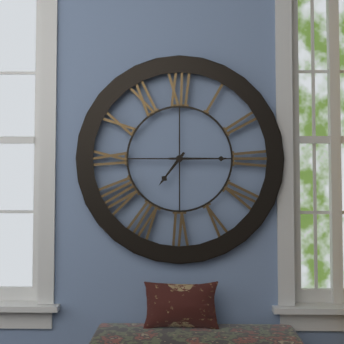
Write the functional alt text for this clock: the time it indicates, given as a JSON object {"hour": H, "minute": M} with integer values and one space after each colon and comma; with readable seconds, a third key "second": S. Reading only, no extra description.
{"hour": 7, "minute": 15}
